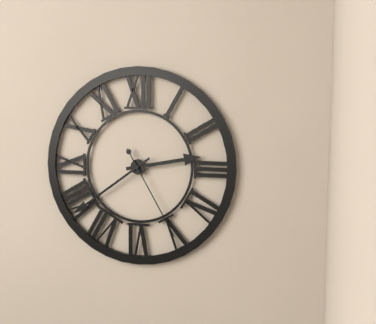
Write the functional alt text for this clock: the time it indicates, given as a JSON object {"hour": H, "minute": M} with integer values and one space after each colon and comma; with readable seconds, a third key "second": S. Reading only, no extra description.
{"hour": 2, "minute": 39, "second": 25}
